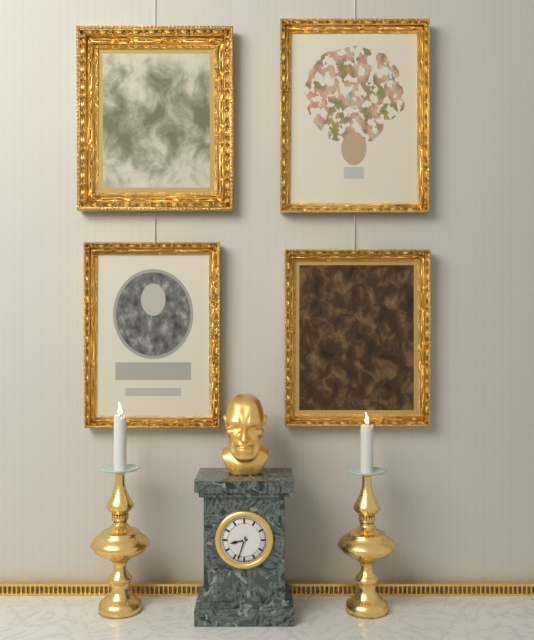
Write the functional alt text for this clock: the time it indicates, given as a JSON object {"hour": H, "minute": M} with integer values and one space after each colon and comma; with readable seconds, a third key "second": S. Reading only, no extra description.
{"hour": 8, "minute": 33}
